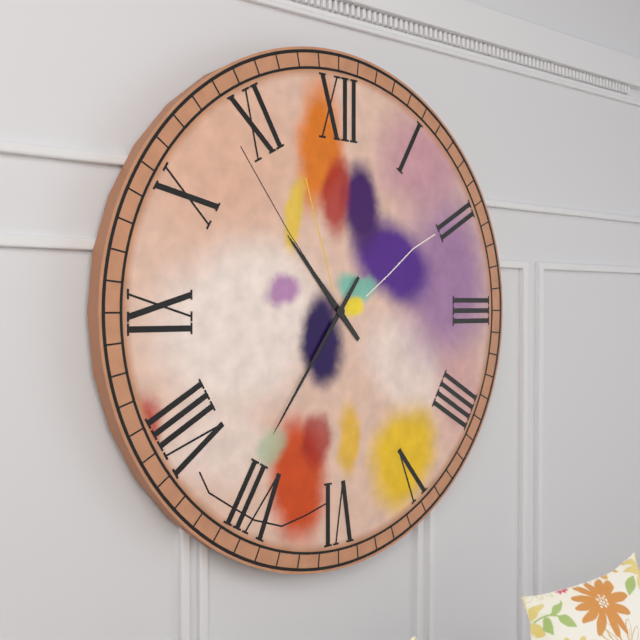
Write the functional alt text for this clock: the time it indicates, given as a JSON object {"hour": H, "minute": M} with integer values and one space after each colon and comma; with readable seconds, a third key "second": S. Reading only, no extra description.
{"hour": 10, "minute": 36}
